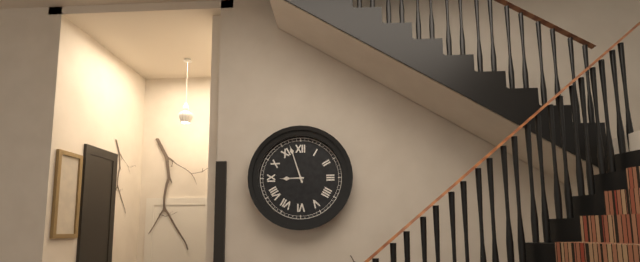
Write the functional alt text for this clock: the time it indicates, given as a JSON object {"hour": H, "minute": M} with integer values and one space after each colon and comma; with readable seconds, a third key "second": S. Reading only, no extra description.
{"hour": 8, "minute": 57}
